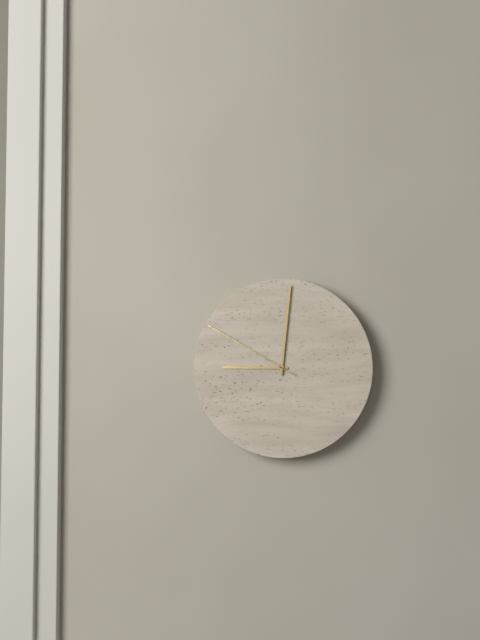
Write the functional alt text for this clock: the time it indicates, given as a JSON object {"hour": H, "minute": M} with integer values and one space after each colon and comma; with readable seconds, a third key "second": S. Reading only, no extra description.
{"hour": 9, "minute": 1, "second": 50}
